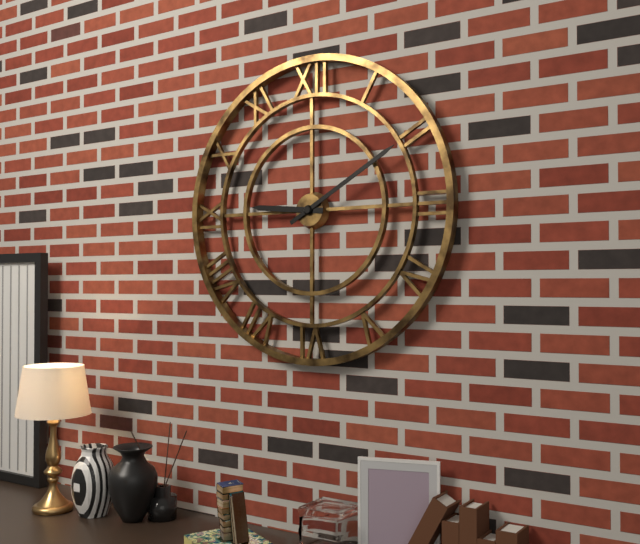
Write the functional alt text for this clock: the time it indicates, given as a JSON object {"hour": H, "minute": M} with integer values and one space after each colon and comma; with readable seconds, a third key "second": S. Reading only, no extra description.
{"hour": 9, "minute": 10}
